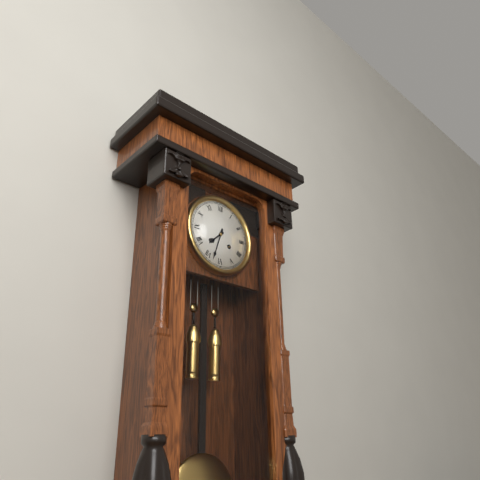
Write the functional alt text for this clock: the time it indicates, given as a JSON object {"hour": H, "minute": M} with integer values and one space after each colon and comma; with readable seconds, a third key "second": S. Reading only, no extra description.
{"hour": 7, "minute": 33}
